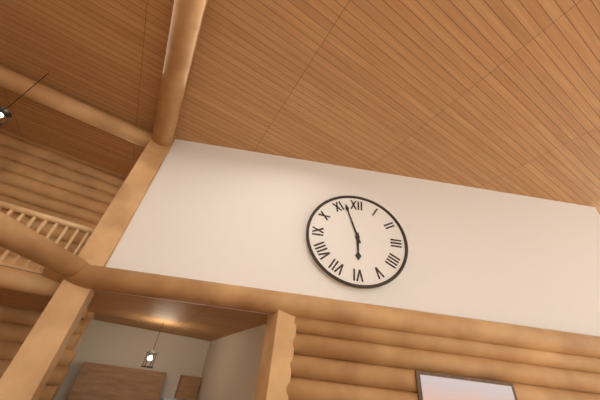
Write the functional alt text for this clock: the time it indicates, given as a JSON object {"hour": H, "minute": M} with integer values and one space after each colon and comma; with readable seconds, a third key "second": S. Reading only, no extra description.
{"hour": 5, "minute": 57}
